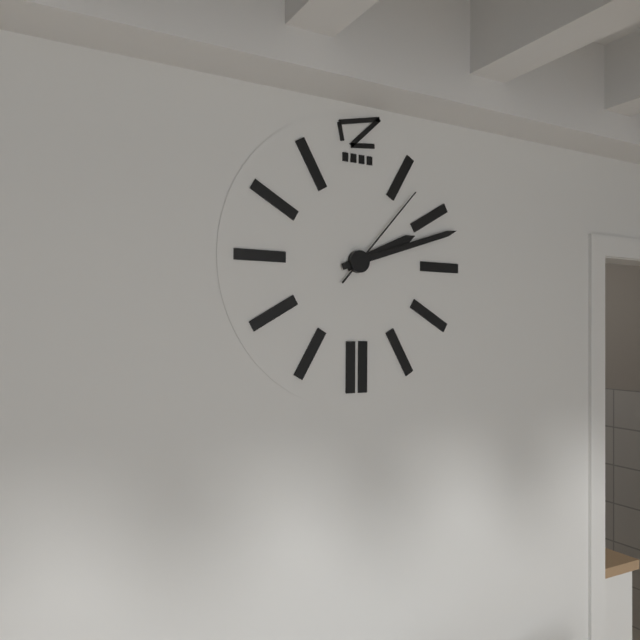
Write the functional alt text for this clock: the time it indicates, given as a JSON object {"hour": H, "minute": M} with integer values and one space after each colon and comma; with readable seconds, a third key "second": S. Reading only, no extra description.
{"hour": 2, "minute": 12, "second": 7}
